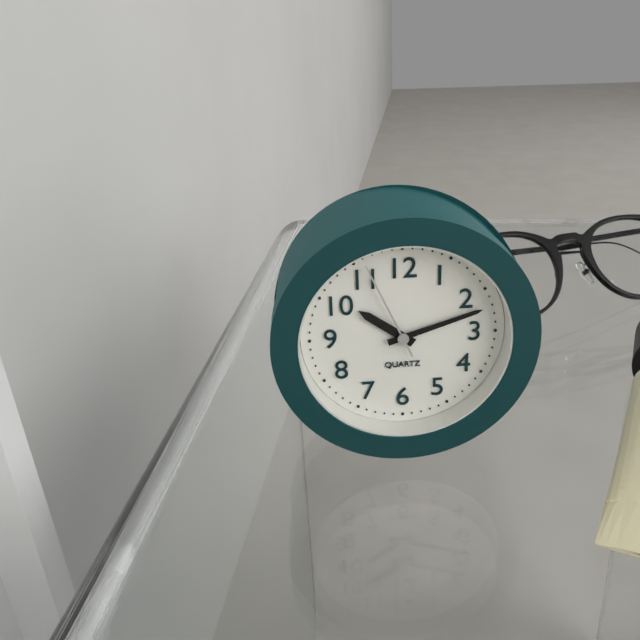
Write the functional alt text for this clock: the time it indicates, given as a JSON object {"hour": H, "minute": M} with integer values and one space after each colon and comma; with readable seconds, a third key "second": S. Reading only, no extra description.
{"hour": 10, "minute": 12, "second": 56}
